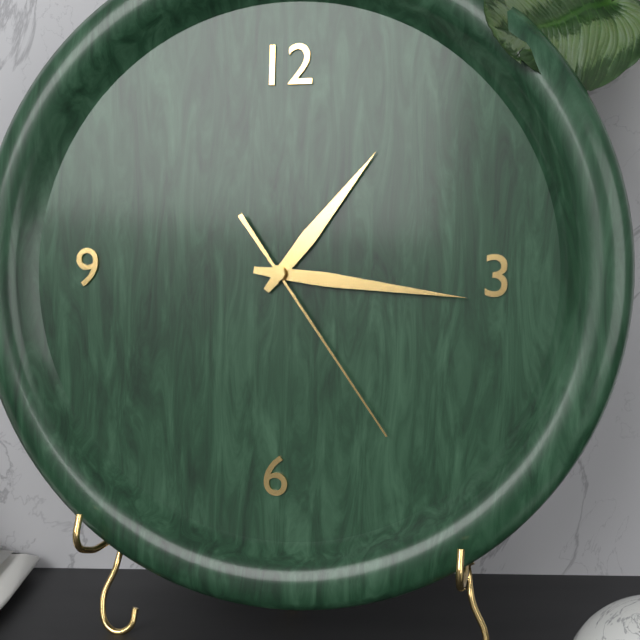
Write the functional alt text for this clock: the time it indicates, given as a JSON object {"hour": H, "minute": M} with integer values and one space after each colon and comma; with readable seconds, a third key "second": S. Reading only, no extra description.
{"hour": 1, "minute": 16, "second": 24}
